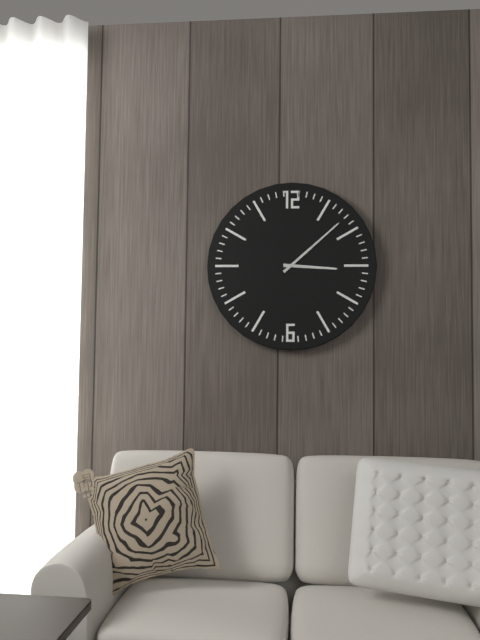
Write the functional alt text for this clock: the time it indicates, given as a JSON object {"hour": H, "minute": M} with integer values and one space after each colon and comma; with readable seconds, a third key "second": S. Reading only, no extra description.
{"hour": 3, "minute": 8}
